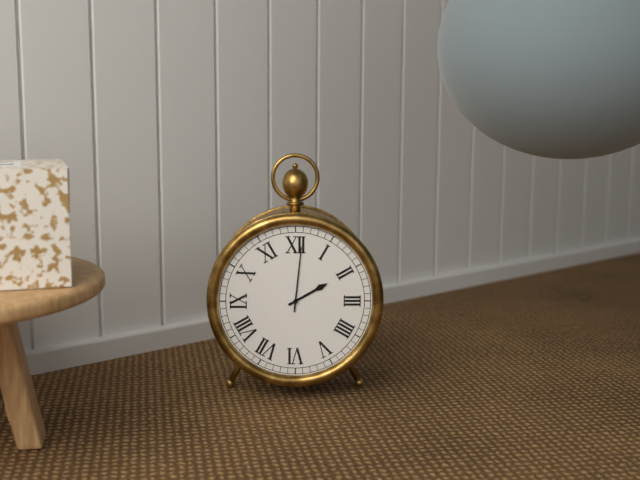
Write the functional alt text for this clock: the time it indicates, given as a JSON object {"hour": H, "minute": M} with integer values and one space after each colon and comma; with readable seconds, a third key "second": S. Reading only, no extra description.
{"hour": 2, "minute": 1}
